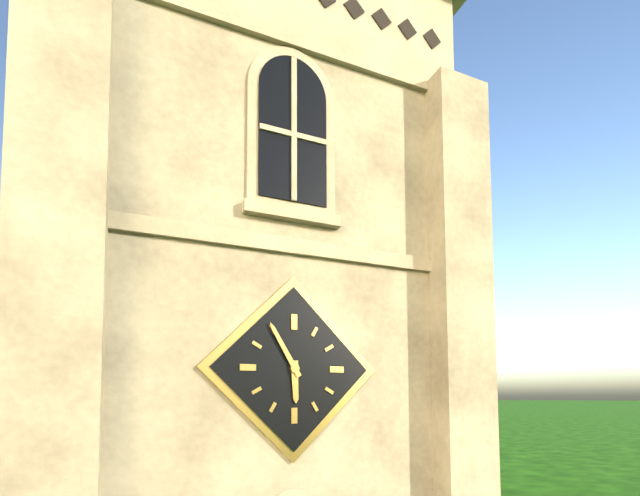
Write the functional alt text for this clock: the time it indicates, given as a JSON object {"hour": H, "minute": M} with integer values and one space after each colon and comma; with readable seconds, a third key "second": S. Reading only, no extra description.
{"hour": 5, "minute": 55}
